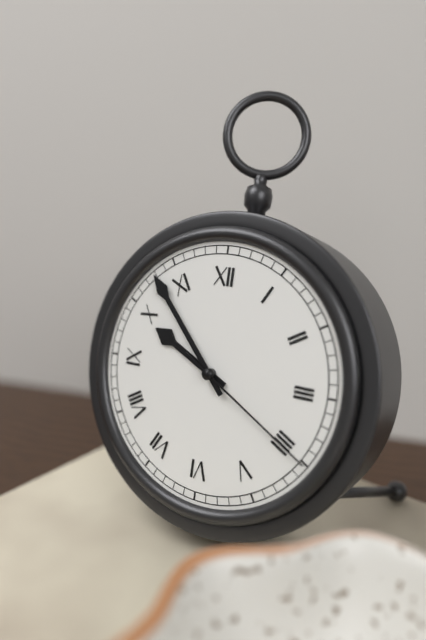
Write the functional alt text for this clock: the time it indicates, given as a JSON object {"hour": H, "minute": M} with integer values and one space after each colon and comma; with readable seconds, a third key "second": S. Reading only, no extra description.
{"hour": 9, "minute": 53, "second": 20}
